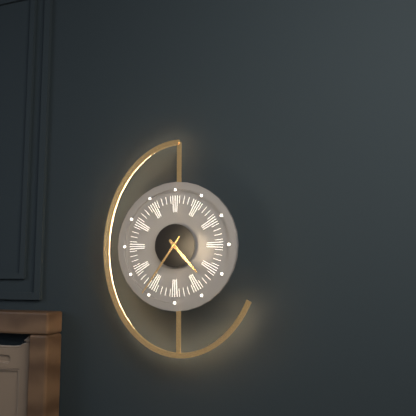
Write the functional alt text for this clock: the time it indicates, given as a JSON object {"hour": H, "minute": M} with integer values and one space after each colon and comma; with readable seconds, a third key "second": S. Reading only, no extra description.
{"hour": 4, "minute": 36}
